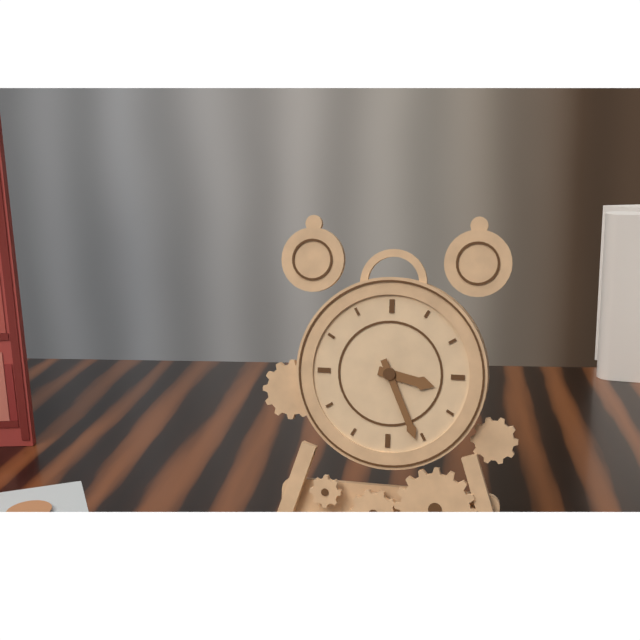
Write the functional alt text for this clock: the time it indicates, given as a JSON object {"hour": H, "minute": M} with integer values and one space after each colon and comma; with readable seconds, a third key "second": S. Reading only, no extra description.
{"hour": 3, "minute": 26}
